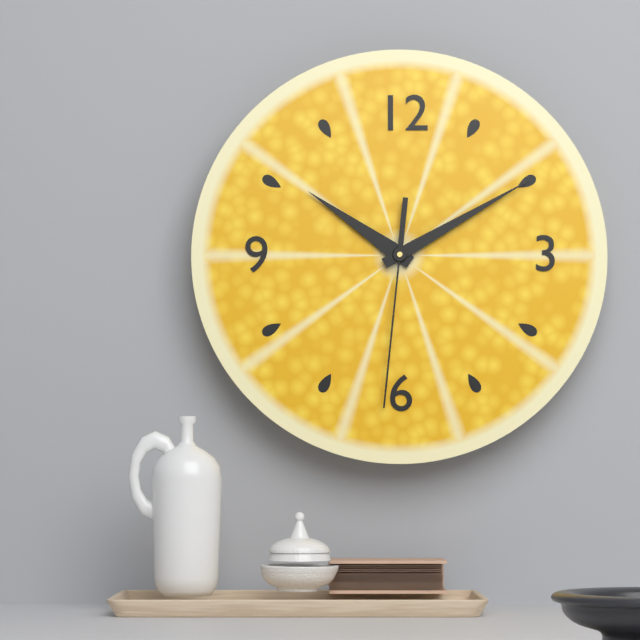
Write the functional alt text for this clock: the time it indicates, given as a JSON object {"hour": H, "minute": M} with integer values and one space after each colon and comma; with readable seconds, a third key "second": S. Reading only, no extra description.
{"hour": 10, "minute": 10, "second": 31}
